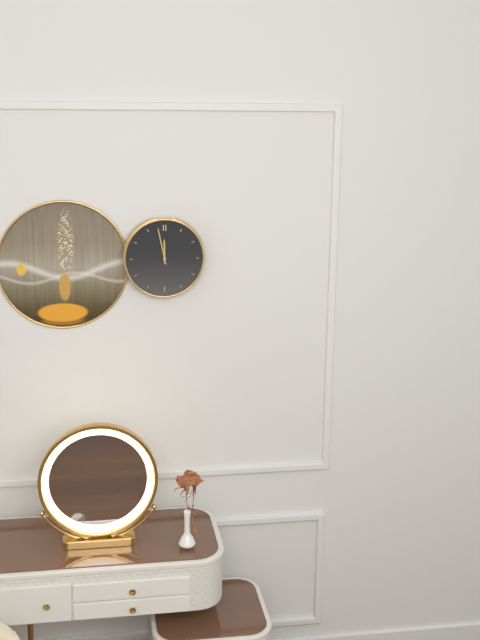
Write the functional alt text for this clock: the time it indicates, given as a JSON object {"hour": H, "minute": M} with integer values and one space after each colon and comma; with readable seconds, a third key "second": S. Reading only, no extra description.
{"hour": 11, "minute": 58}
